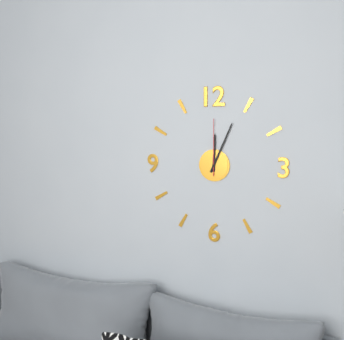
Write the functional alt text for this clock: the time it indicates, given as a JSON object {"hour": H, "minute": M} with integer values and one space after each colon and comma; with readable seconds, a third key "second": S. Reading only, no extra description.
{"hour": 12, "minute": 4, "second": 0}
